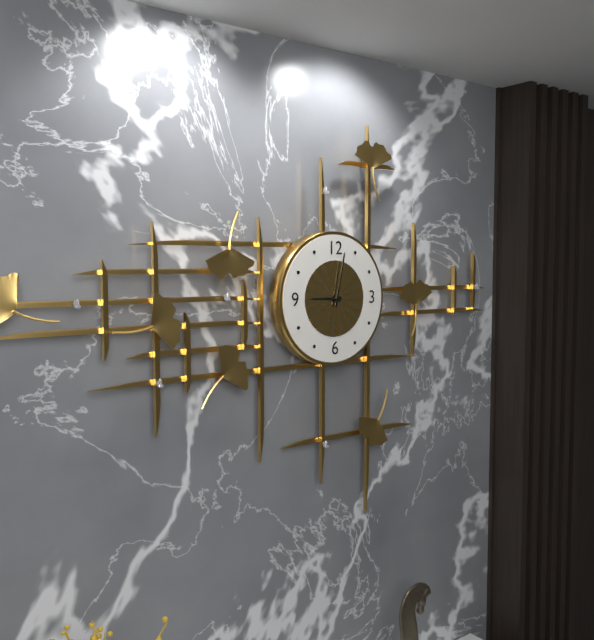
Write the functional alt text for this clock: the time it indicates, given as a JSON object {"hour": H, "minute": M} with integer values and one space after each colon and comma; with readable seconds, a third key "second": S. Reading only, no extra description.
{"hour": 9, "minute": 2}
